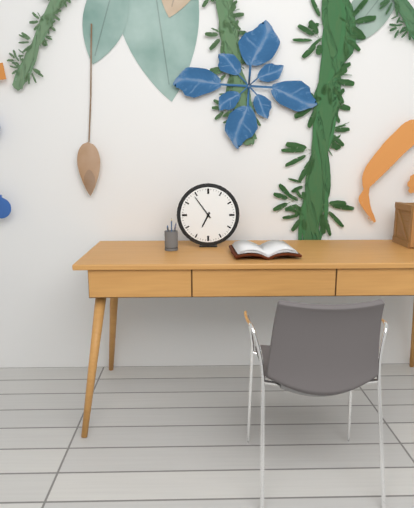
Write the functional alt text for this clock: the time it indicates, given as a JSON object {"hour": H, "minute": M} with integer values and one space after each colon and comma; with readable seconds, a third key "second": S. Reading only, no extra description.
{"hour": 6, "minute": 54}
